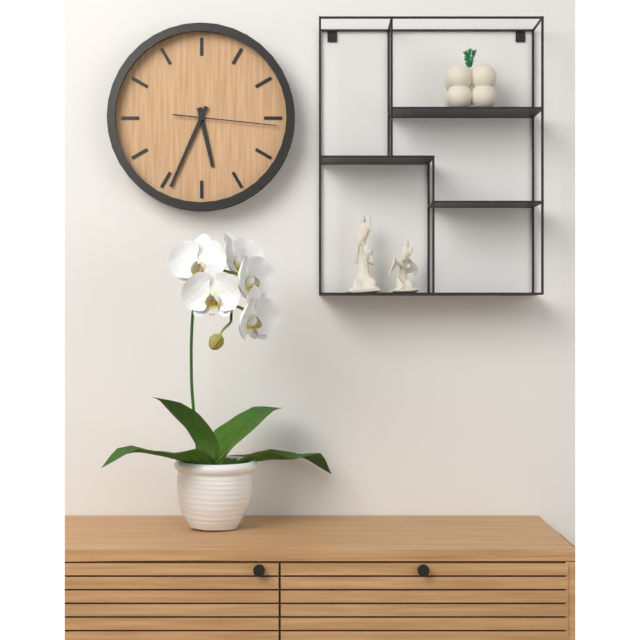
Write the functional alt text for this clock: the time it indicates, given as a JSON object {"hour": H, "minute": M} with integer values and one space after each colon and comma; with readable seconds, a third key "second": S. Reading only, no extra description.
{"hour": 5, "minute": 34, "second": 16}
